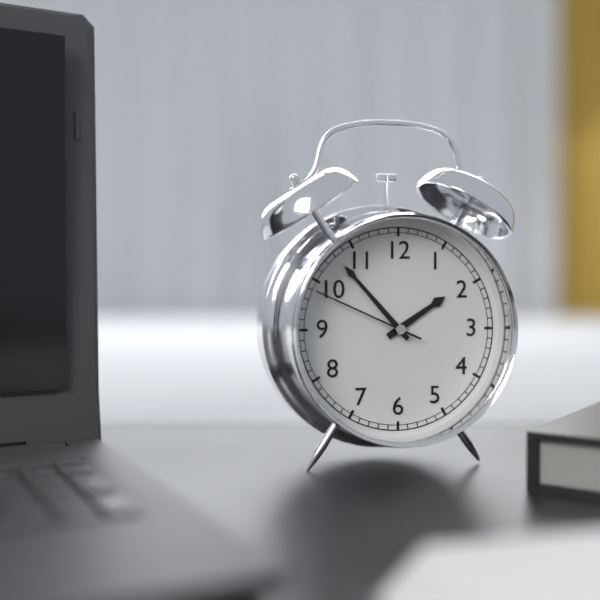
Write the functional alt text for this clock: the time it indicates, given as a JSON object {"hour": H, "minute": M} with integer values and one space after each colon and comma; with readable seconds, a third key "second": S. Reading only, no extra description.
{"hour": 1, "minute": 53, "second": 49}
